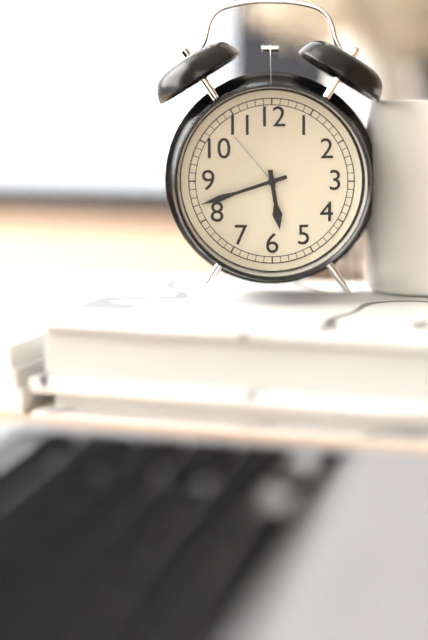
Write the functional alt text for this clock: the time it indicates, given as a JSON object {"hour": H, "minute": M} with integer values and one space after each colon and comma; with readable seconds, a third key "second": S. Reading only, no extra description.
{"hour": 5, "minute": 42}
